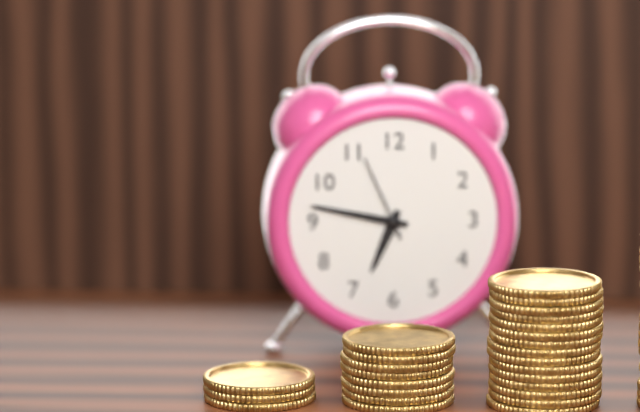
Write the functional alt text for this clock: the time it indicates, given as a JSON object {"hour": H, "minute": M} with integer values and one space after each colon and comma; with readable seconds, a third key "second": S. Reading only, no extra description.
{"hour": 6, "minute": 47, "second": 56}
